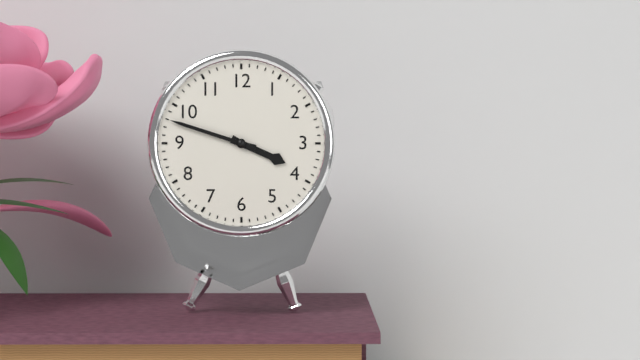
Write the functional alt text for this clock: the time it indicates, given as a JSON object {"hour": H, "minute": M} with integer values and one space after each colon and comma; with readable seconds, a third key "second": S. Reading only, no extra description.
{"hour": 3, "minute": 48}
